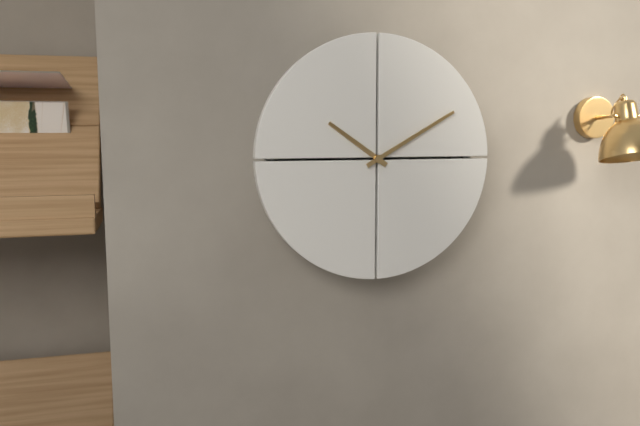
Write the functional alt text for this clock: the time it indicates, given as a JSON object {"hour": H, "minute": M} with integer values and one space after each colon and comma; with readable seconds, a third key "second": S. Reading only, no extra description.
{"hour": 10, "minute": 10}
